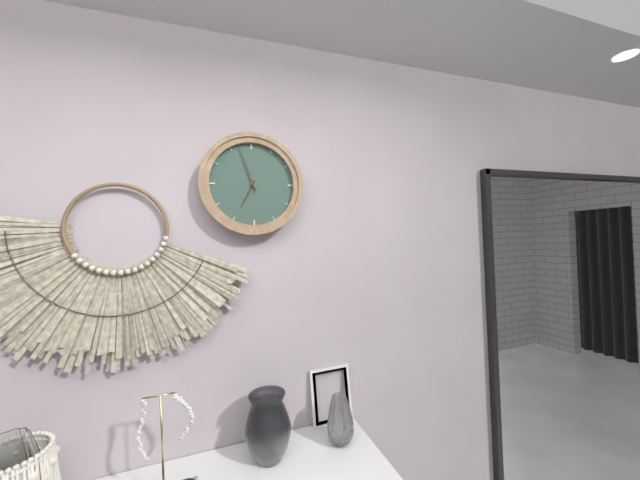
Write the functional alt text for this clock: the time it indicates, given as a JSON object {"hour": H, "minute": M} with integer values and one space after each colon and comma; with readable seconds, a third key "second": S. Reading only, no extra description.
{"hour": 6, "minute": 57}
